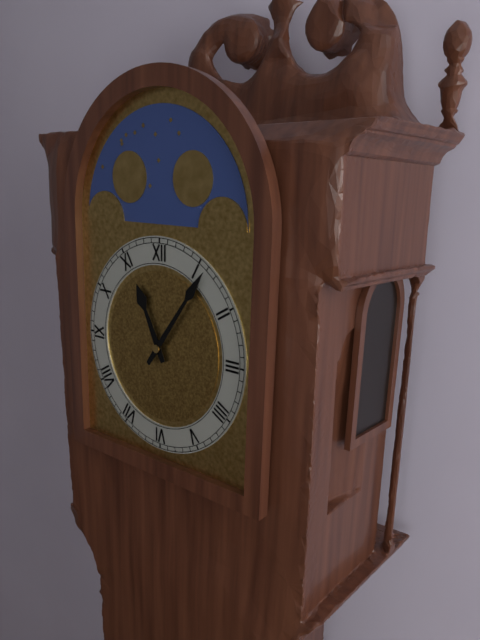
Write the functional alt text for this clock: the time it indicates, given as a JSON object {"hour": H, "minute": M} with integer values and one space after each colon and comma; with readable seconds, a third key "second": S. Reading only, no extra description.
{"hour": 11, "minute": 6}
